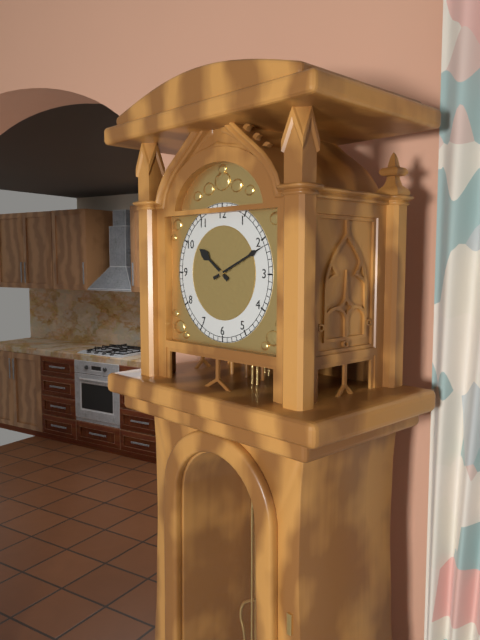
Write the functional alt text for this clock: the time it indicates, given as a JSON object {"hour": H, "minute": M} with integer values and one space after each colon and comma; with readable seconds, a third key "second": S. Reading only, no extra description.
{"hour": 10, "minute": 11}
